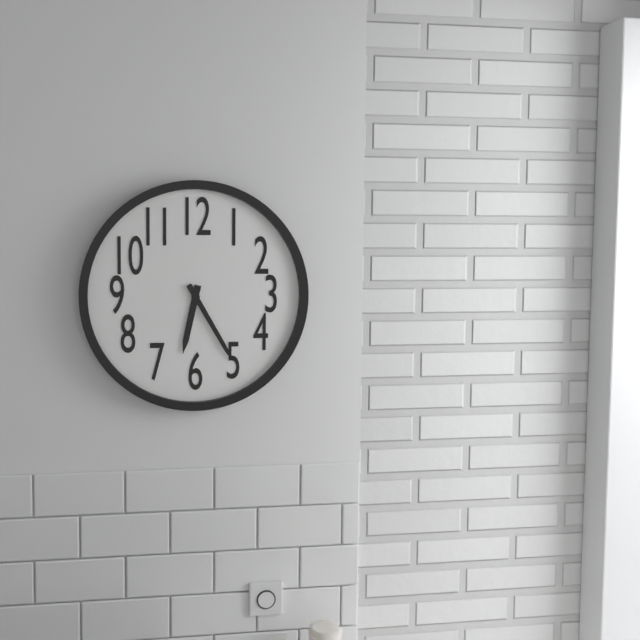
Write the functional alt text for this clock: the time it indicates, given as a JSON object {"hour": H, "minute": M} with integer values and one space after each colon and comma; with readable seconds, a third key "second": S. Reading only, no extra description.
{"hour": 6, "minute": 25}
